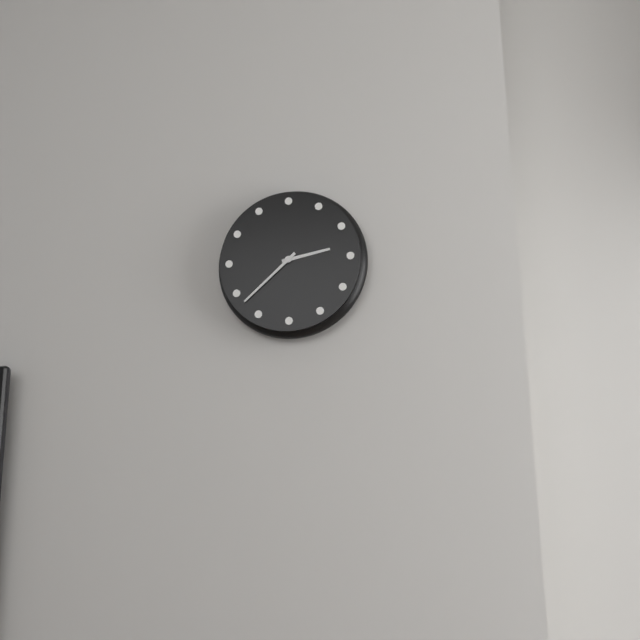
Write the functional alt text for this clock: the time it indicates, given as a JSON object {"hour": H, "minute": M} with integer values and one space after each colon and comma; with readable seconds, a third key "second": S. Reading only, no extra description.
{"hour": 2, "minute": 38}
